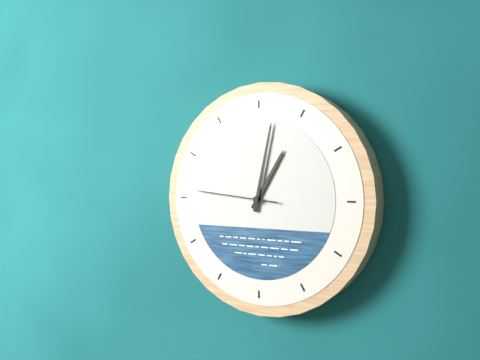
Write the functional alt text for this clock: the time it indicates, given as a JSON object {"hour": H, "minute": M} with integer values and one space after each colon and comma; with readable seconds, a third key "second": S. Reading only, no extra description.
{"hour": 1, "minute": 2, "second": 46}
